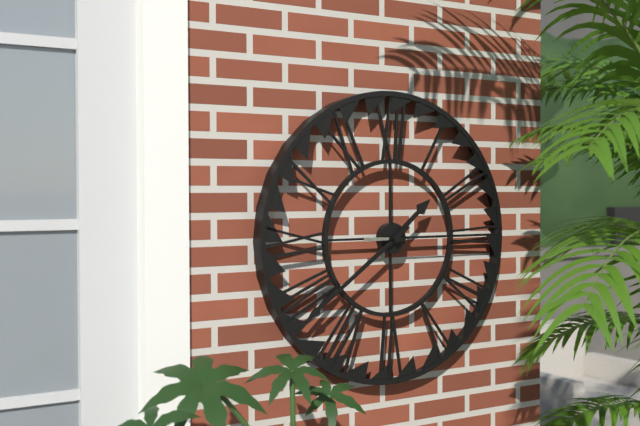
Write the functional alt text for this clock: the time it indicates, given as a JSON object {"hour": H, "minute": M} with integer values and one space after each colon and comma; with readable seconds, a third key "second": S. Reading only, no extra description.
{"hour": 1, "minute": 39, "second": 15}
